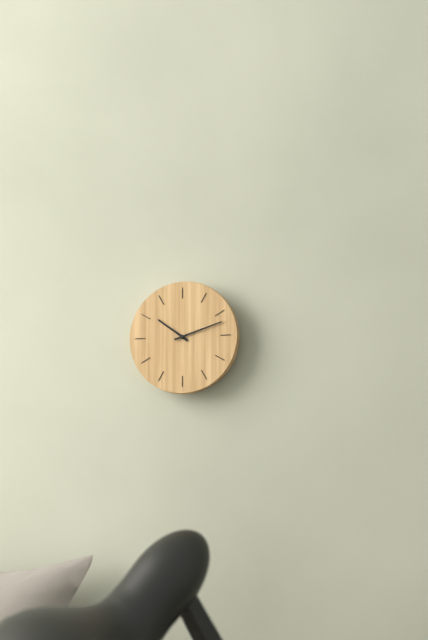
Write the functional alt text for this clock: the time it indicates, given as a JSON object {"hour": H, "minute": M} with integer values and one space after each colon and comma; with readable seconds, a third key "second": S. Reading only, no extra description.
{"hour": 10, "minute": 12}
